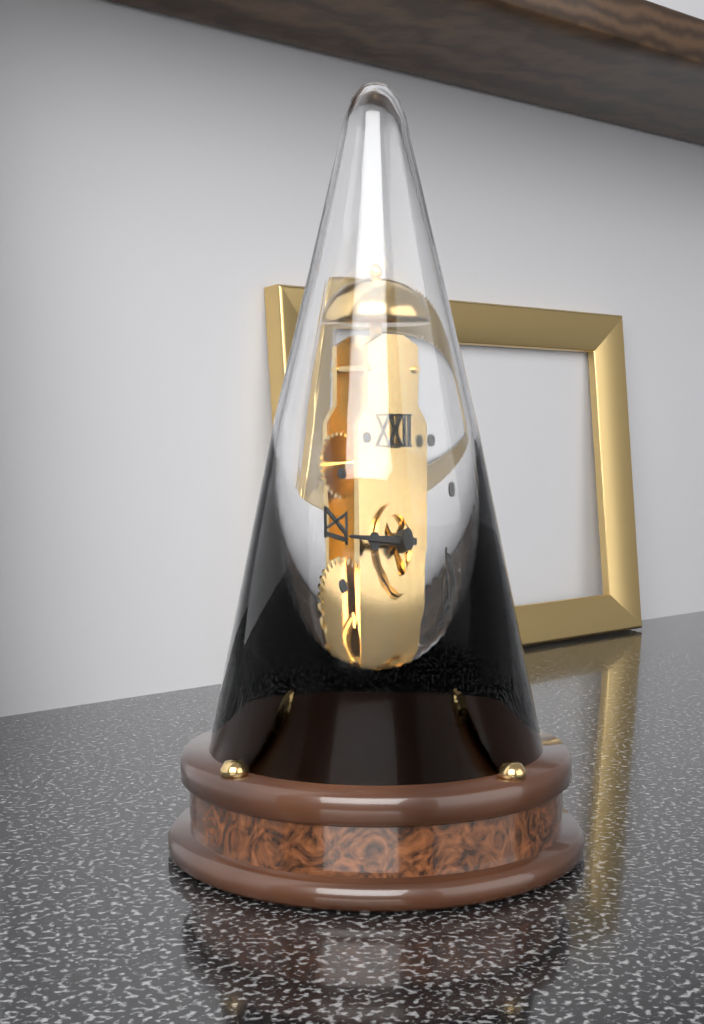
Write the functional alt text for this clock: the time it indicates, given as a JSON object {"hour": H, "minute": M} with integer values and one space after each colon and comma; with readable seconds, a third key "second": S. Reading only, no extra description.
{"hour": 8, "minute": 44}
